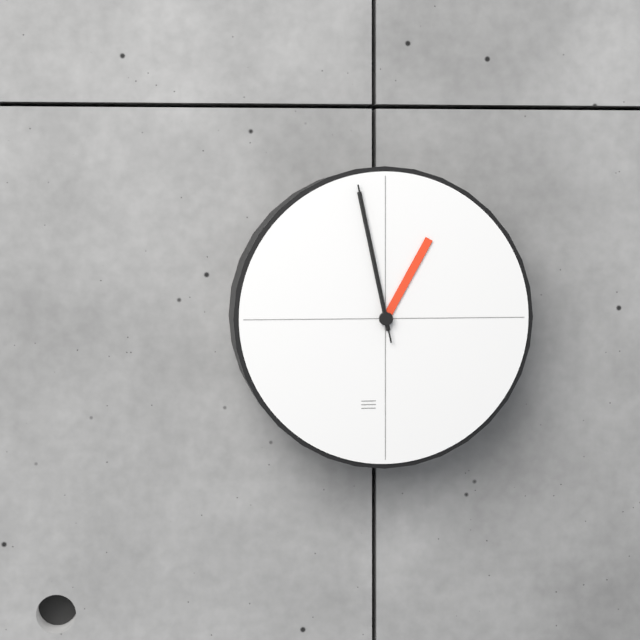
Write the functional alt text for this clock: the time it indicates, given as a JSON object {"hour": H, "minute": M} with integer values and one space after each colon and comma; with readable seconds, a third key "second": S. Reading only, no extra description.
{"hour": 12, "minute": 58, "second": 58}
